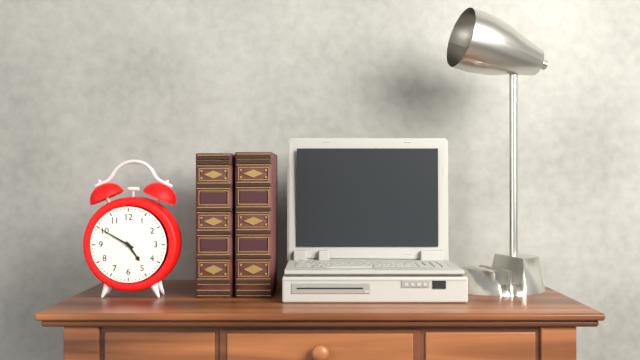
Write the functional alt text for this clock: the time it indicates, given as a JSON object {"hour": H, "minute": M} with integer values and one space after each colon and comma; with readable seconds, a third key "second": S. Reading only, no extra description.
{"hour": 4, "minute": 50}
